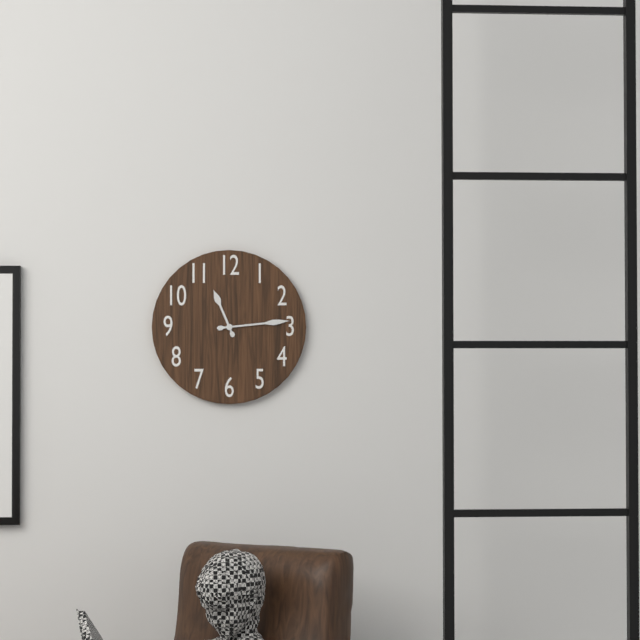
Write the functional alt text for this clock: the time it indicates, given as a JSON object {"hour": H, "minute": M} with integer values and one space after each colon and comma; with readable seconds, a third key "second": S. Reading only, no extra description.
{"hour": 11, "minute": 14}
